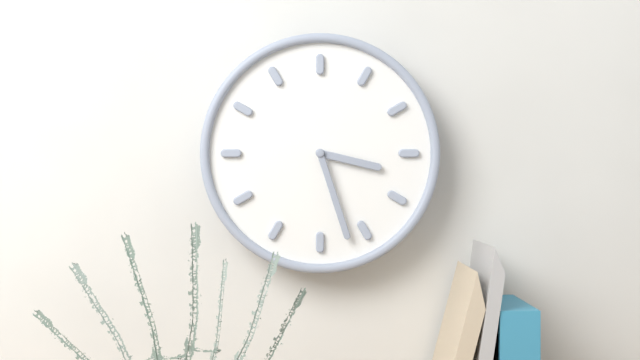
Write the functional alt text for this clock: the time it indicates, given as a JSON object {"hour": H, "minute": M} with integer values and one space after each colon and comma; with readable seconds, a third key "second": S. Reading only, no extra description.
{"hour": 3, "minute": 27}
